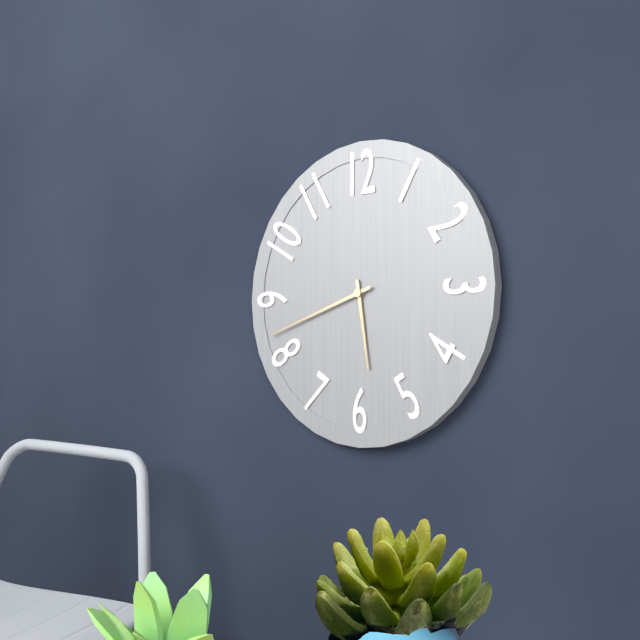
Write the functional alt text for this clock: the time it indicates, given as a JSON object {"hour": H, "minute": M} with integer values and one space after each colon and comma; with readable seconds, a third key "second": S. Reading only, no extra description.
{"hour": 5, "minute": 42}
